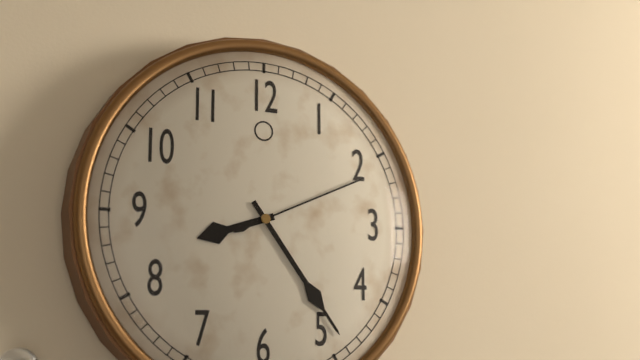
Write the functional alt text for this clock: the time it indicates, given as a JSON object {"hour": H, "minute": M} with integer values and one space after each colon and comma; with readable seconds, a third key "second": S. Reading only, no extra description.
{"hour": 8, "minute": 24, "second": 11}
